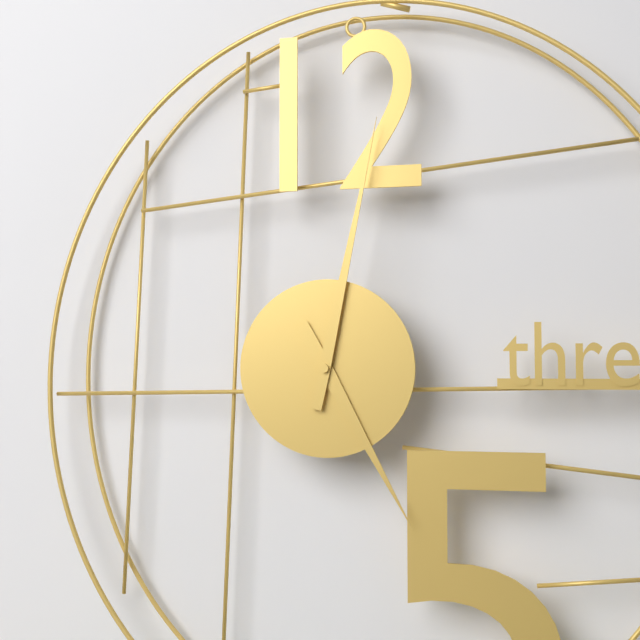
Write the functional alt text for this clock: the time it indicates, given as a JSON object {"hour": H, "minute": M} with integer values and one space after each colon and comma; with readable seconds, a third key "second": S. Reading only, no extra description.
{"hour": 5, "minute": 2}
